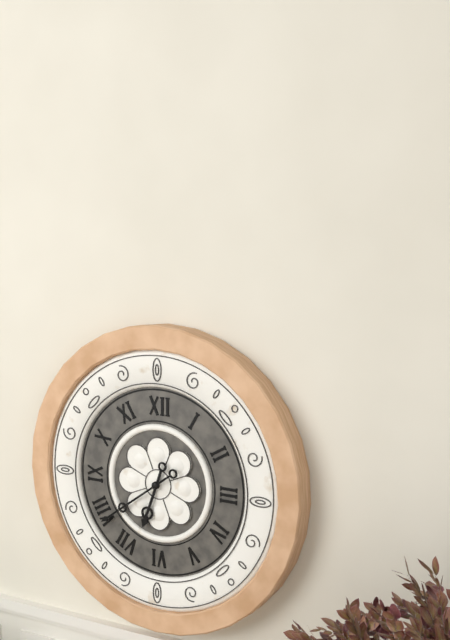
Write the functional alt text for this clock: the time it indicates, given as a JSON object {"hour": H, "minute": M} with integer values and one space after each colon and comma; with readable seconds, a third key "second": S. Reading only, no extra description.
{"hour": 6, "minute": 39}
